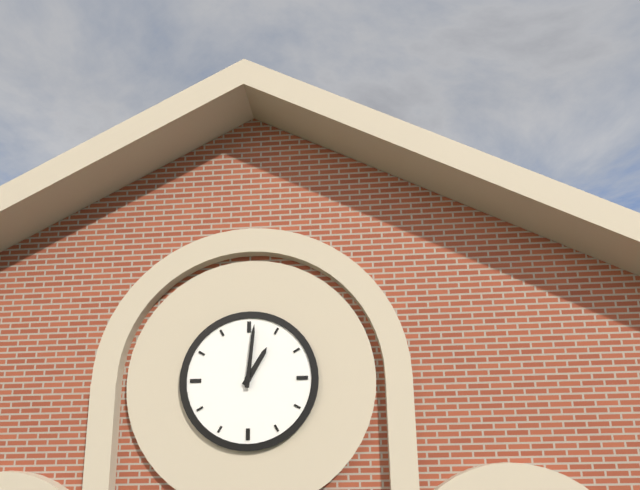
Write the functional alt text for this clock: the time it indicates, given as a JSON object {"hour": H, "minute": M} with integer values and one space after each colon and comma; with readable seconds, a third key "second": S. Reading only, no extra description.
{"hour": 1, "minute": 1}
